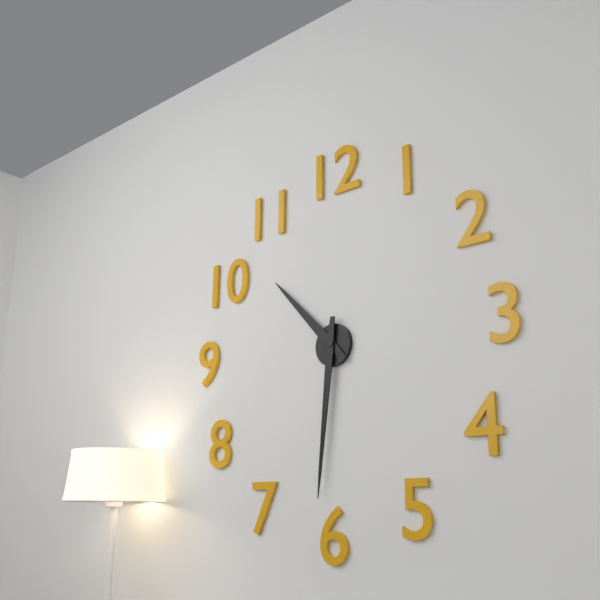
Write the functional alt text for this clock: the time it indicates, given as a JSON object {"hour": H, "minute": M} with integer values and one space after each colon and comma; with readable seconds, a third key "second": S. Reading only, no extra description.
{"hour": 10, "minute": 31}
